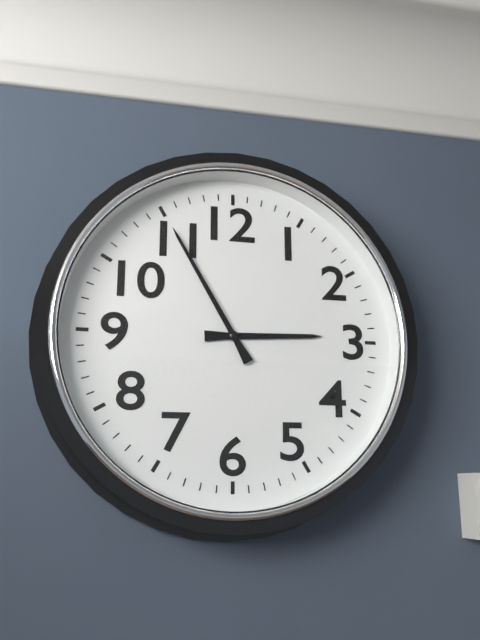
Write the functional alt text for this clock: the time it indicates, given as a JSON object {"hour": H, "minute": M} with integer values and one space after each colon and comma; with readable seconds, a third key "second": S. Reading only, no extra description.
{"hour": 2, "minute": 55}
